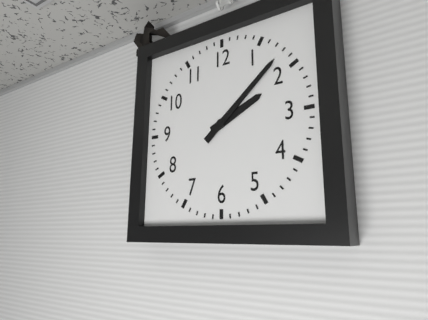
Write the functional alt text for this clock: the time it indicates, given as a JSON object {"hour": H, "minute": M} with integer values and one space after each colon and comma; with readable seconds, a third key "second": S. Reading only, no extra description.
{"hour": 2, "minute": 8}
